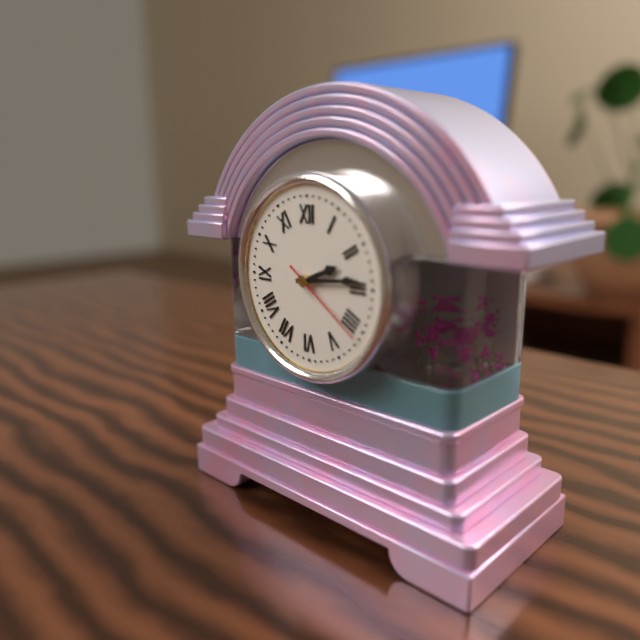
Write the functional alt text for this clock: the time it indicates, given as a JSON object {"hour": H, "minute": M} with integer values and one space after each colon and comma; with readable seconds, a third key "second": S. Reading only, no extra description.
{"hour": 2, "minute": 14, "second": 21}
